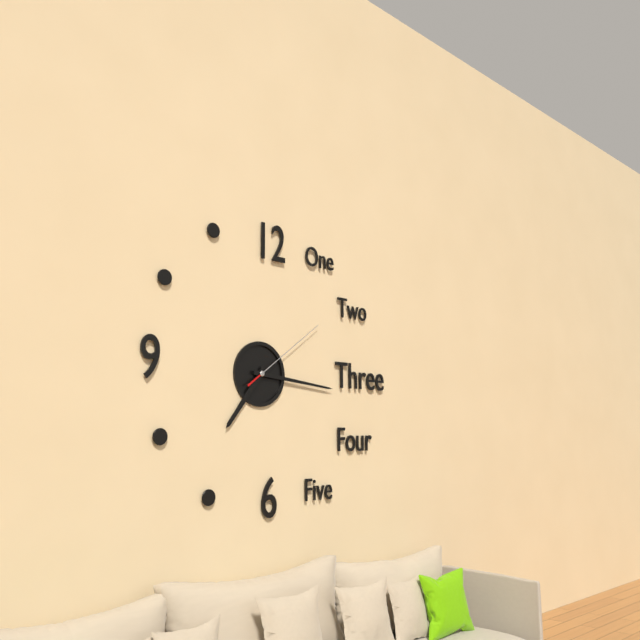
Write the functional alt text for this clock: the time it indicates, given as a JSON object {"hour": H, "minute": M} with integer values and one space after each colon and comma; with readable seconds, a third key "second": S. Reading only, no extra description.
{"hour": 7, "minute": 16, "second": 9}
